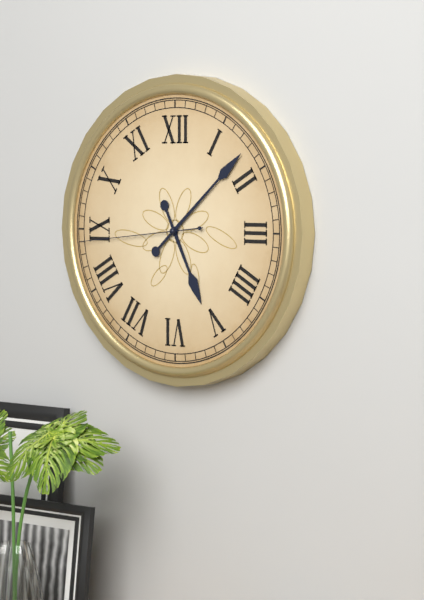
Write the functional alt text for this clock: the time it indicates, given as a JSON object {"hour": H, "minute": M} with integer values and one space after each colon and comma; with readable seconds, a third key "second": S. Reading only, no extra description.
{"hour": 5, "minute": 8, "second": 44}
